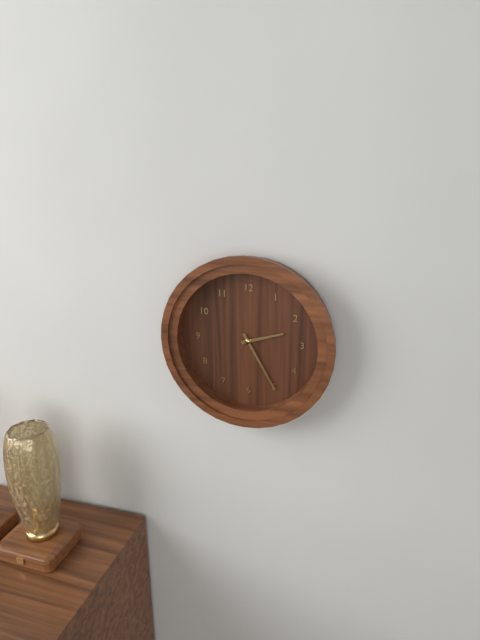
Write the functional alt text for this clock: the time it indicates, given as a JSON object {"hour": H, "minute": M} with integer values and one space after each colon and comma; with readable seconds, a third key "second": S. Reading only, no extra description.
{"hour": 2, "minute": 25}
